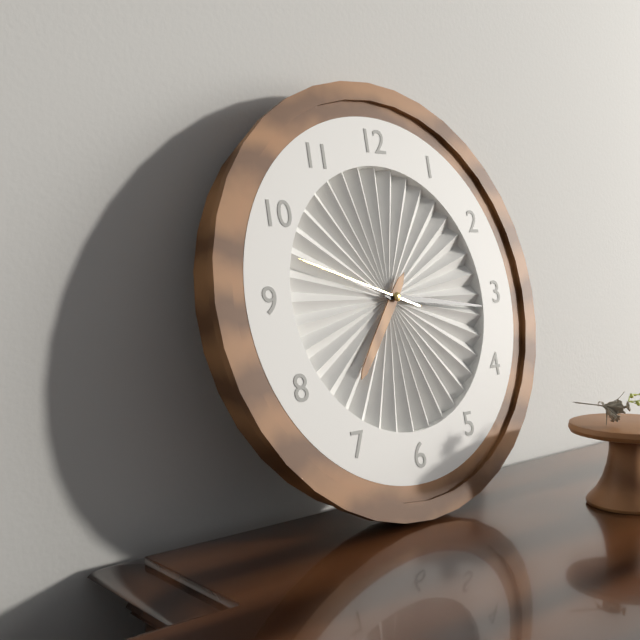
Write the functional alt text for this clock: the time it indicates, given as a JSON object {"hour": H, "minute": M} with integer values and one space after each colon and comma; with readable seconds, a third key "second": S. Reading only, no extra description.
{"hour": 7, "minute": 16, "second": 48}
